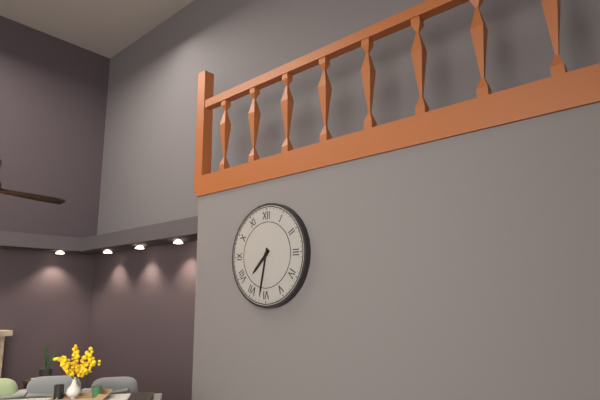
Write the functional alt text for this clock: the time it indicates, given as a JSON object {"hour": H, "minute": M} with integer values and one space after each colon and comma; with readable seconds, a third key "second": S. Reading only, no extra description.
{"hour": 7, "minute": 32}
